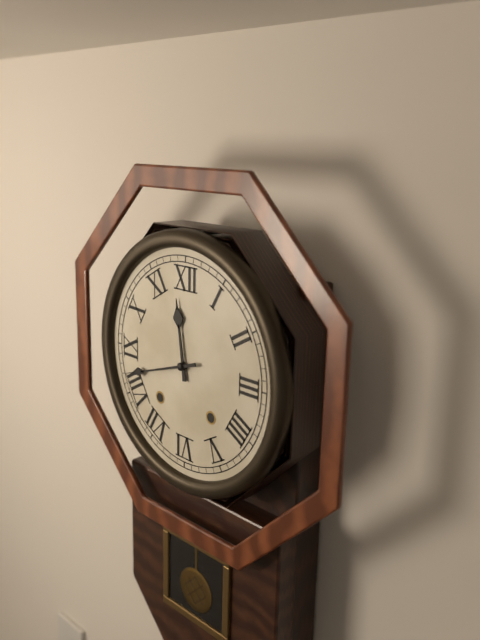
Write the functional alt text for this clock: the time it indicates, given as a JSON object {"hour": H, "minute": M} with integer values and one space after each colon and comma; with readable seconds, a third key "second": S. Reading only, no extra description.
{"hour": 11, "minute": 42}
